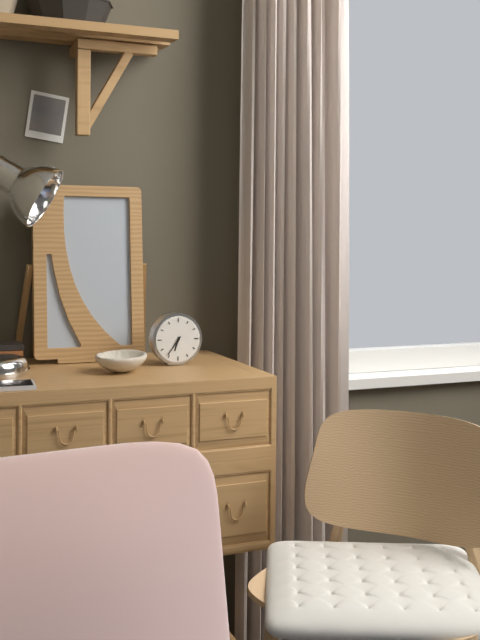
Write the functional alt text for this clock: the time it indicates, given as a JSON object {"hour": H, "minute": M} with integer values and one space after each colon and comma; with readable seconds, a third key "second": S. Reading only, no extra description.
{"hour": 6, "minute": 36}
